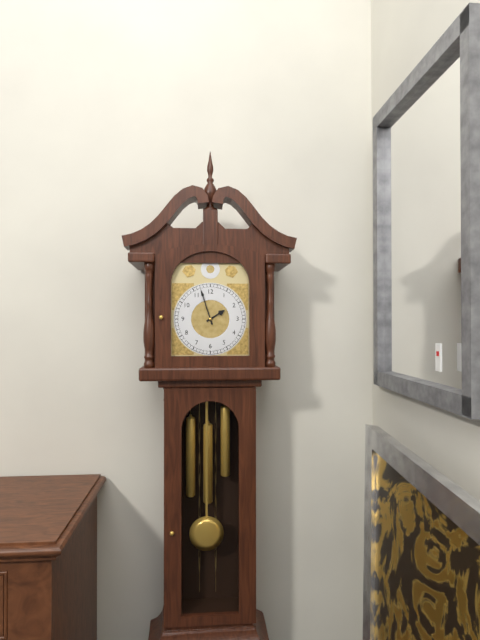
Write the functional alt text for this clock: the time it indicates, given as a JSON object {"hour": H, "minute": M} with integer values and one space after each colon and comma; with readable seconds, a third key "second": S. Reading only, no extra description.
{"hour": 1, "minute": 57}
